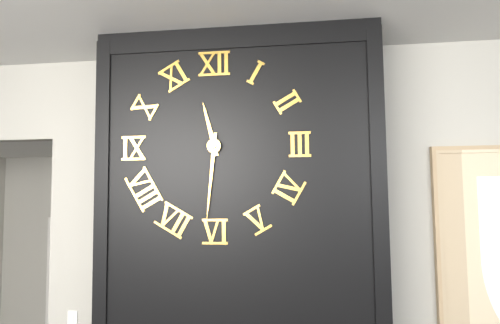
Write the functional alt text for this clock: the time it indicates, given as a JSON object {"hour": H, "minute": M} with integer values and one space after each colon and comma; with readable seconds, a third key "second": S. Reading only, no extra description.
{"hour": 11, "minute": 31}
